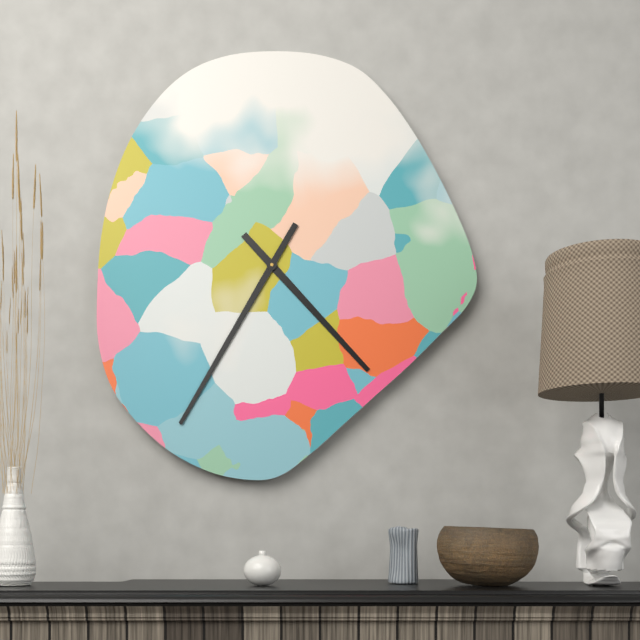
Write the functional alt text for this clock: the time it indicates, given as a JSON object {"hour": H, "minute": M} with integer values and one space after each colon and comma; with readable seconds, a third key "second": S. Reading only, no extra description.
{"hour": 4, "minute": 35}
